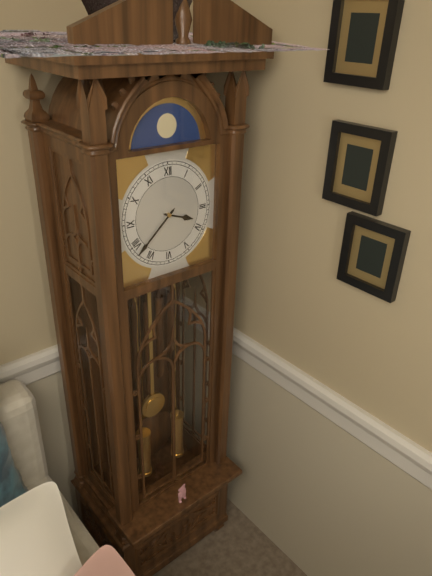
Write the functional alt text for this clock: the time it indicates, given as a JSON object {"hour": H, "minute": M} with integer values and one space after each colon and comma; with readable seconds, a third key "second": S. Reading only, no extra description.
{"hour": 3, "minute": 38}
